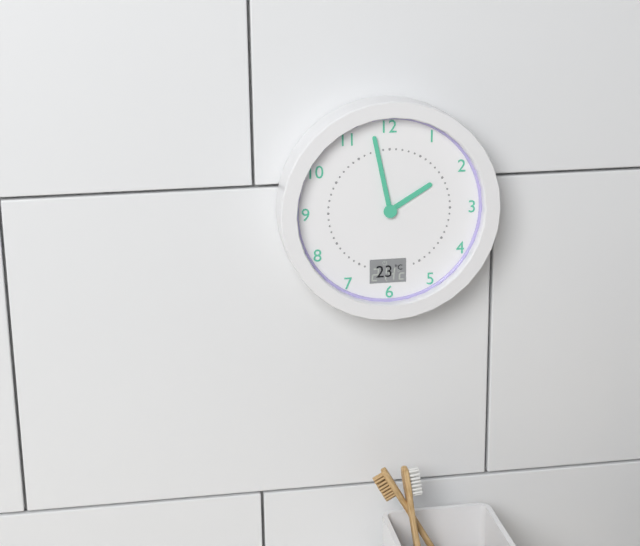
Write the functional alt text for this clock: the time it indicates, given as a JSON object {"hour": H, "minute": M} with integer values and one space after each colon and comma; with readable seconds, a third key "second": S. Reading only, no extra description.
{"hour": 1, "minute": 58}
